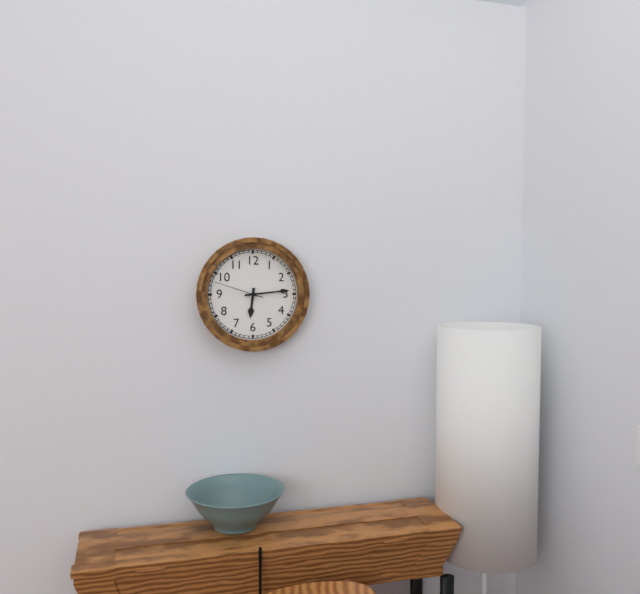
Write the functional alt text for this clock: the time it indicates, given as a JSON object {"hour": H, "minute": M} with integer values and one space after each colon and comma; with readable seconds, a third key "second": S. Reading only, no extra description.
{"hour": 6, "minute": 14, "second": 48}
